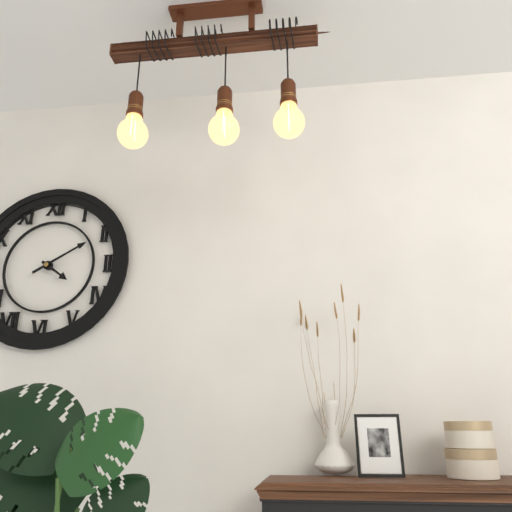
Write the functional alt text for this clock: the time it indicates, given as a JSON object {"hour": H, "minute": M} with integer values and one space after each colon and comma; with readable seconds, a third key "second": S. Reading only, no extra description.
{"hour": 4, "minute": 10}
